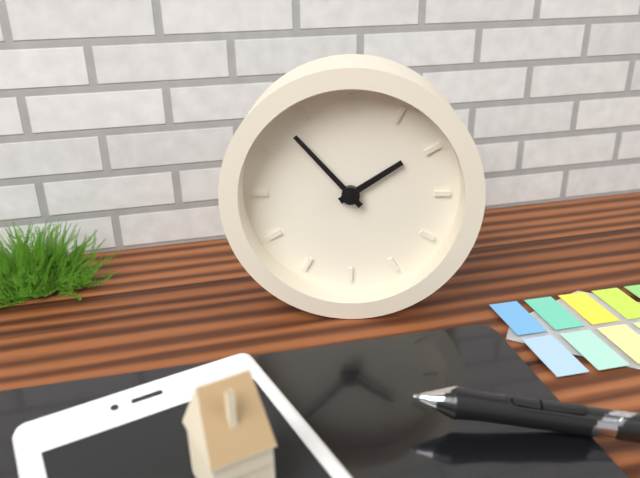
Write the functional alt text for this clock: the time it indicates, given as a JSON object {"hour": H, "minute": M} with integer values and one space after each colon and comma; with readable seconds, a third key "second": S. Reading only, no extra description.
{"hour": 1, "minute": 53}
